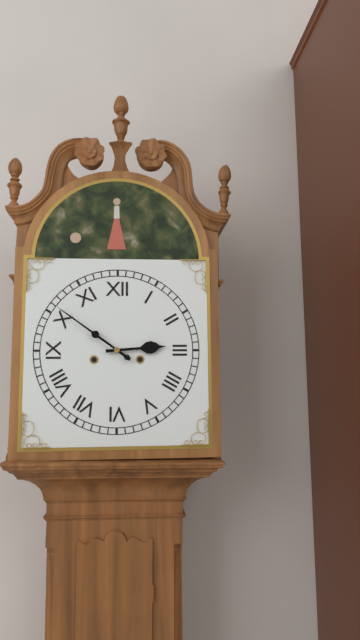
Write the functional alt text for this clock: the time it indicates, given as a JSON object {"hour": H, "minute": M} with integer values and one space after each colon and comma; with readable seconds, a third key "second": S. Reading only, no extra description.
{"hour": 2, "minute": 51}
